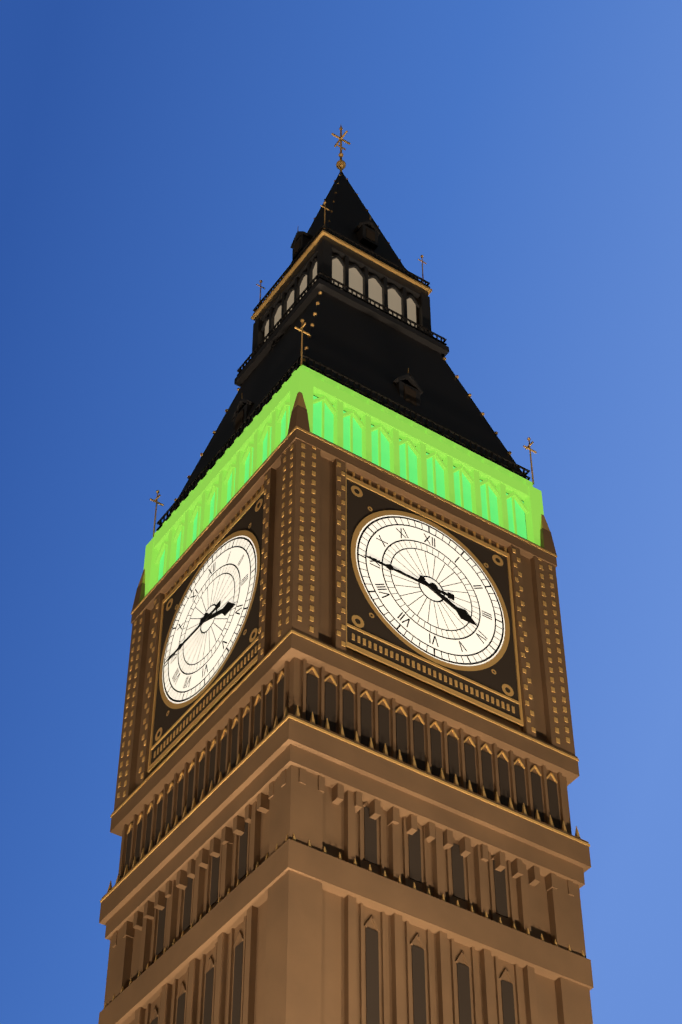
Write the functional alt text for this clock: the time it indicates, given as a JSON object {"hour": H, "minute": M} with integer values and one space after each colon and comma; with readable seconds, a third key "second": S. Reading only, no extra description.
{"hour": 3, "minute": 45}
